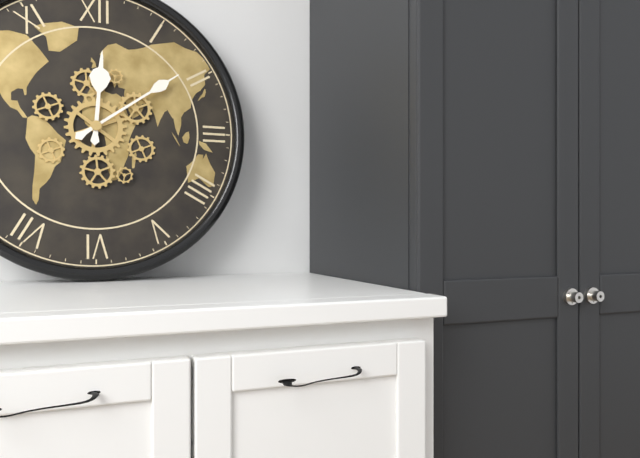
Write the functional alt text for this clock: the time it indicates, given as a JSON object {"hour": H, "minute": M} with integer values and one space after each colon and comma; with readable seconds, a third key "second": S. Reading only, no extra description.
{"hour": 12, "minute": 9}
